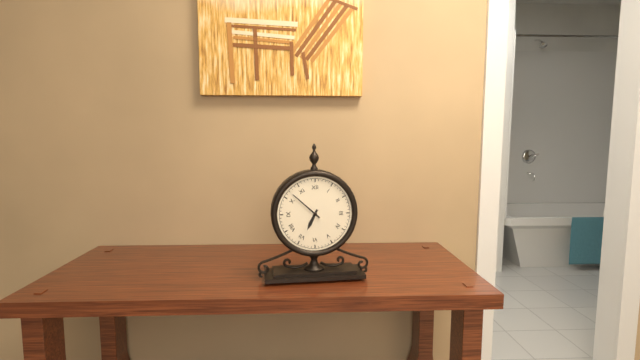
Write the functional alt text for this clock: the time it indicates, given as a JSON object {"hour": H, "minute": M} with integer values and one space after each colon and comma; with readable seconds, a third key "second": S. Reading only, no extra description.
{"hour": 6, "minute": 52}
